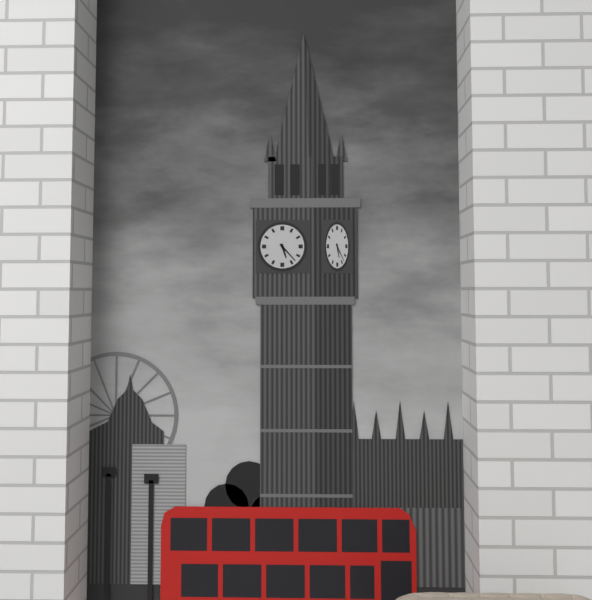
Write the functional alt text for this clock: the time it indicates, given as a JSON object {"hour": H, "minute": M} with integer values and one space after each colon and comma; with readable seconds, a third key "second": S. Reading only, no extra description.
{"hour": 5, "minute": 23}
